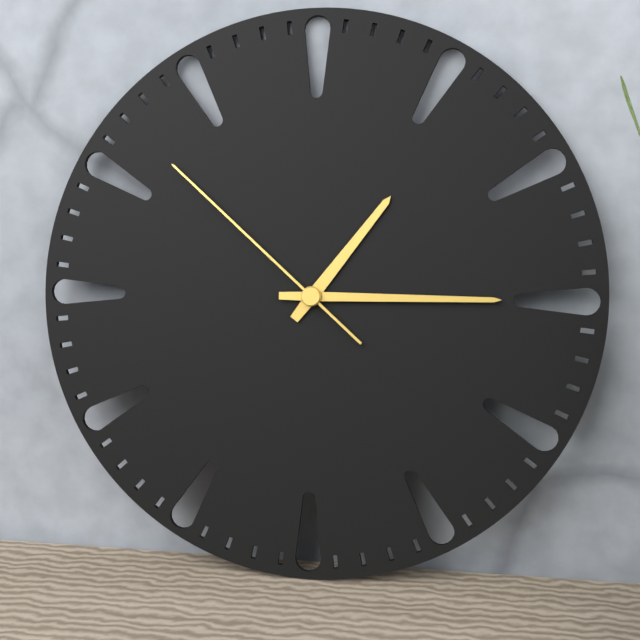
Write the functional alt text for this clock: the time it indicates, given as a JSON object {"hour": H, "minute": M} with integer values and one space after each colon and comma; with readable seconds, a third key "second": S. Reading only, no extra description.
{"hour": 1, "minute": 15, "second": 52}
